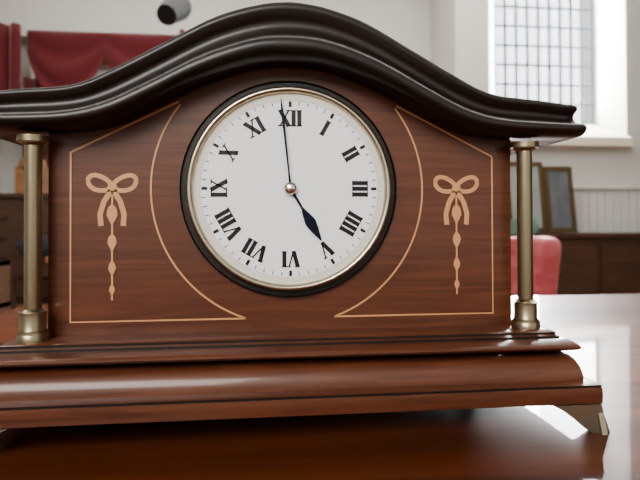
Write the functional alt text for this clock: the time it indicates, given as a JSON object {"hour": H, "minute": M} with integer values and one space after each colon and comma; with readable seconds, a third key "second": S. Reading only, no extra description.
{"hour": 4, "minute": 59}
